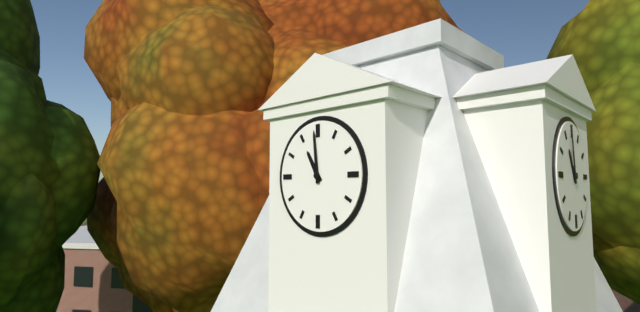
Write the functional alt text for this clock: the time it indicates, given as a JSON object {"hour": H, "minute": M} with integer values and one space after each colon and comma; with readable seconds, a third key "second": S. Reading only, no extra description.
{"hour": 10, "minute": 59}
